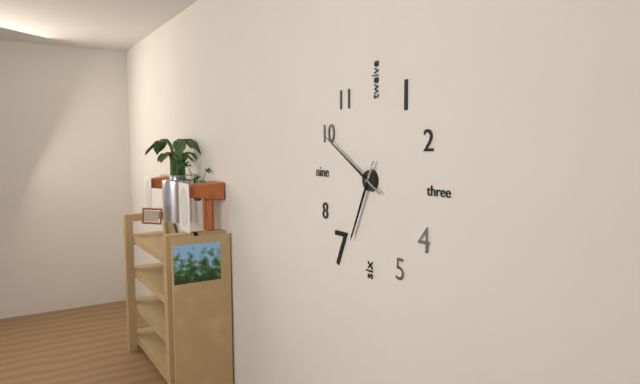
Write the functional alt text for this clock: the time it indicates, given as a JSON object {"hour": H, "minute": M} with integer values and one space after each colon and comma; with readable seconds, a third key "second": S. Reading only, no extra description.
{"hour": 6, "minute": 50}
